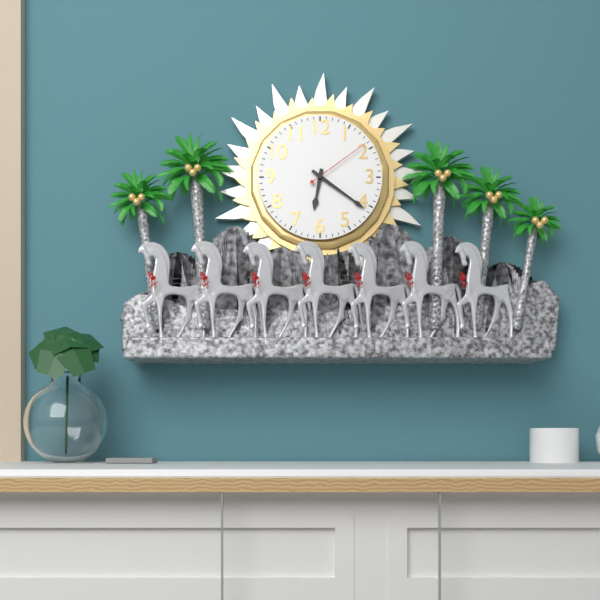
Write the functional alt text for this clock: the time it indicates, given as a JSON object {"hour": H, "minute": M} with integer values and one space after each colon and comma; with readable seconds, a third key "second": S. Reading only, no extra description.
{"hour": 6, "minute": 21, "second": 9}
